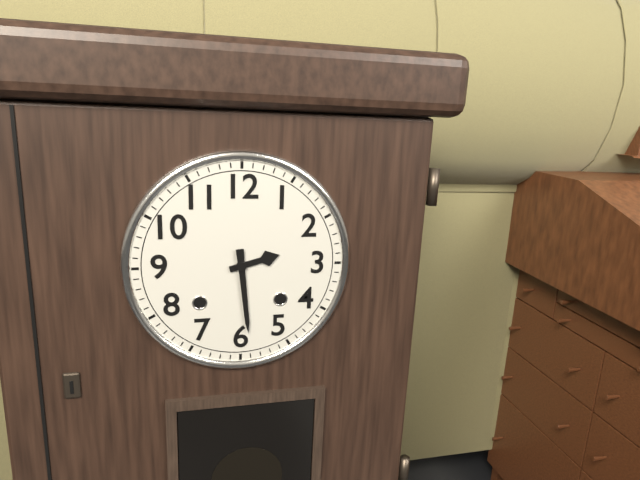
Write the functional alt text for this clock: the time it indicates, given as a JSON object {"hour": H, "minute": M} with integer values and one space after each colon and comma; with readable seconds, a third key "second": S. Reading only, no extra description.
{"hour": 2, "minute": 29}
